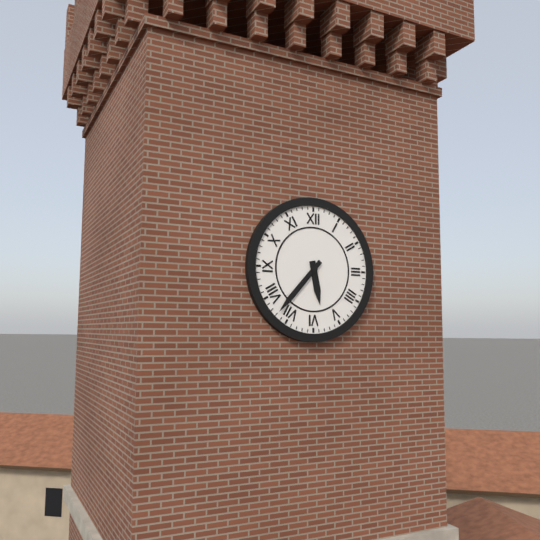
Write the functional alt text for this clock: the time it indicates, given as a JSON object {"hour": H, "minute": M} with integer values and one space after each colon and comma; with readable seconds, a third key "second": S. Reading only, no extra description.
{"hour": 5, "minute": 37}
